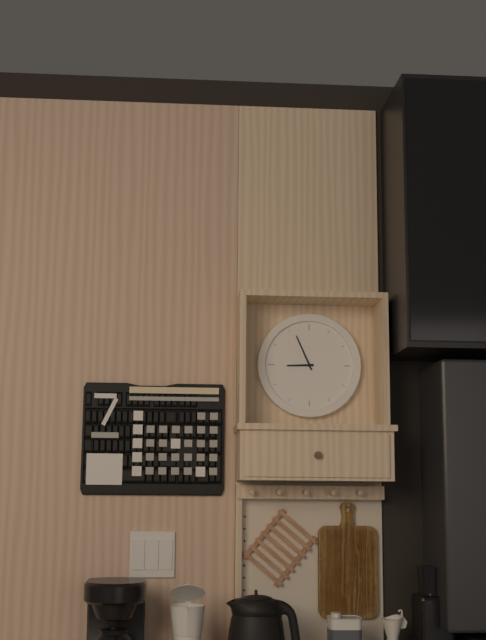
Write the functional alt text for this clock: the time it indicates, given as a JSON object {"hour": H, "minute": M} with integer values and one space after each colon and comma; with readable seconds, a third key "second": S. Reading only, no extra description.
{"hour": 8, "minute": 56}
